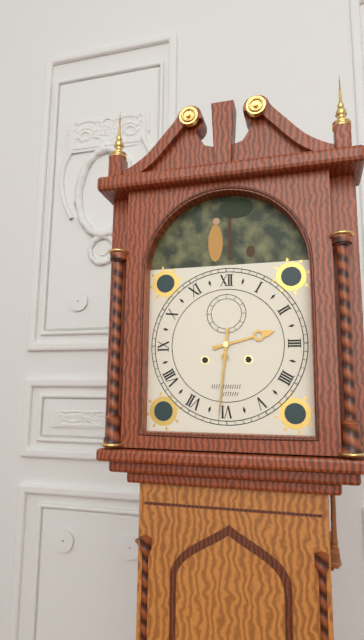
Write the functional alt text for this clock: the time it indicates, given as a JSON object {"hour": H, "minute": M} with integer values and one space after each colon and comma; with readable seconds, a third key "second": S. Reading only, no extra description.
{"hour": 2, "minute": 31}
